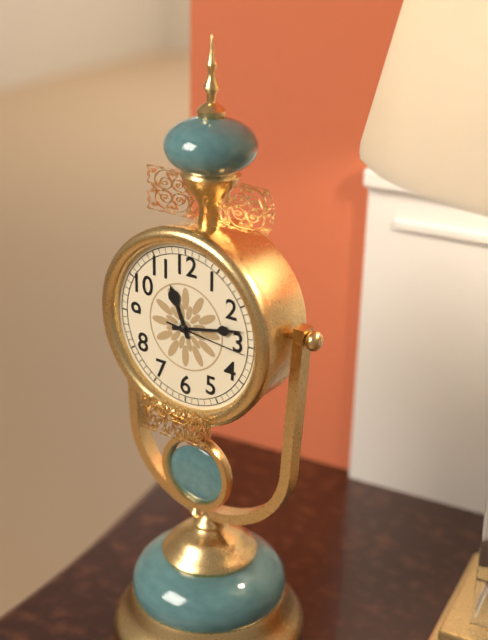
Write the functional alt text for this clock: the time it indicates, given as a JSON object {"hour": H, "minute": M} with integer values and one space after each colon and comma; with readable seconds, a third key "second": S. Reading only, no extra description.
{"hour": 11, "minute": 13, "second": 16}
